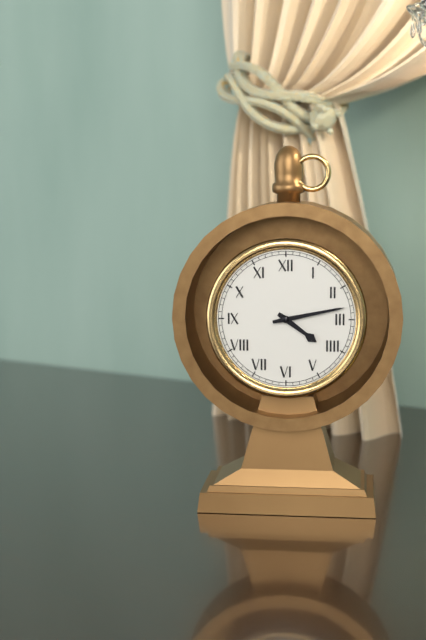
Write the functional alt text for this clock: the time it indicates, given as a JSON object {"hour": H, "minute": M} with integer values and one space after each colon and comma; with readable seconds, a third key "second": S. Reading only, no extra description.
{"hour": 4, "minute": 13}
